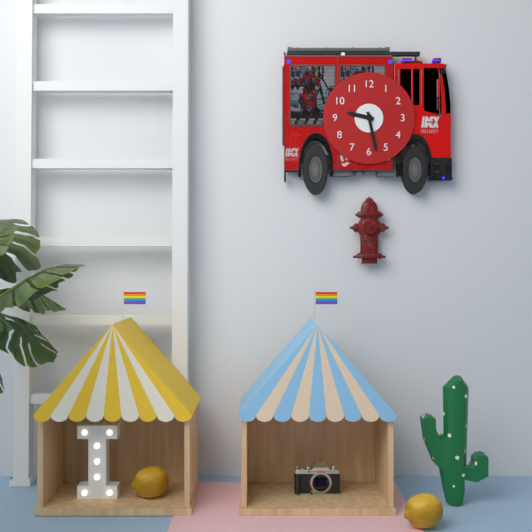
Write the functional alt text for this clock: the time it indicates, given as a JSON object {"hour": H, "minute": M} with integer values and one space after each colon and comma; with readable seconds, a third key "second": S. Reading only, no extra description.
{"hour": 9, "minute": 28}
